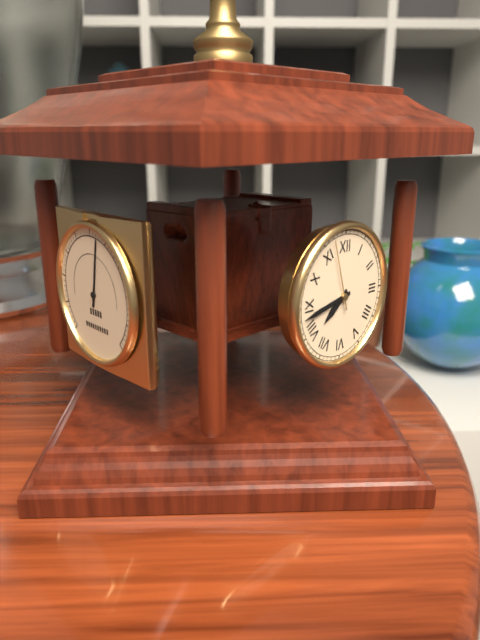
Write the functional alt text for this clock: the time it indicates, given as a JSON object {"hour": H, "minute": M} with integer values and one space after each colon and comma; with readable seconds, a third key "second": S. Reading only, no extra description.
{"hour": 7, "minute": 43, "second": 57}
